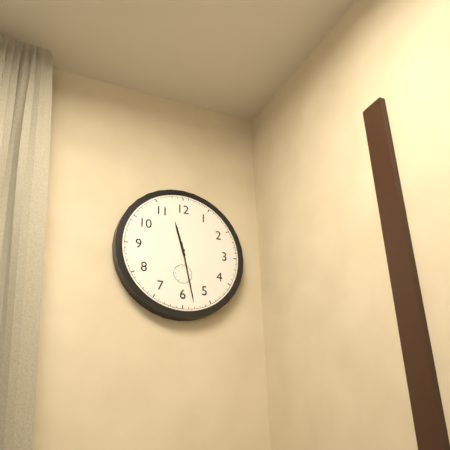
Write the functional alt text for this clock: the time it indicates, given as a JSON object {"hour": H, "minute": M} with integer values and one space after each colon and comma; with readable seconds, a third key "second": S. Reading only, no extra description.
{"hour": 11, "minute": 28}
